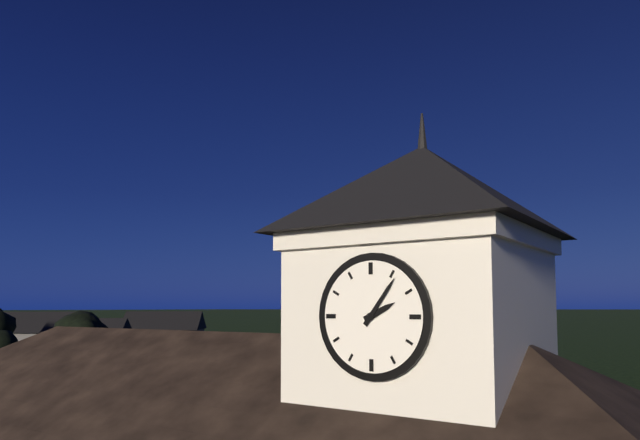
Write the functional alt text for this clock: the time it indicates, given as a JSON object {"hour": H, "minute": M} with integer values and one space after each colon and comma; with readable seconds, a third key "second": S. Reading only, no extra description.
{"hour": 2, "minute": 6}
